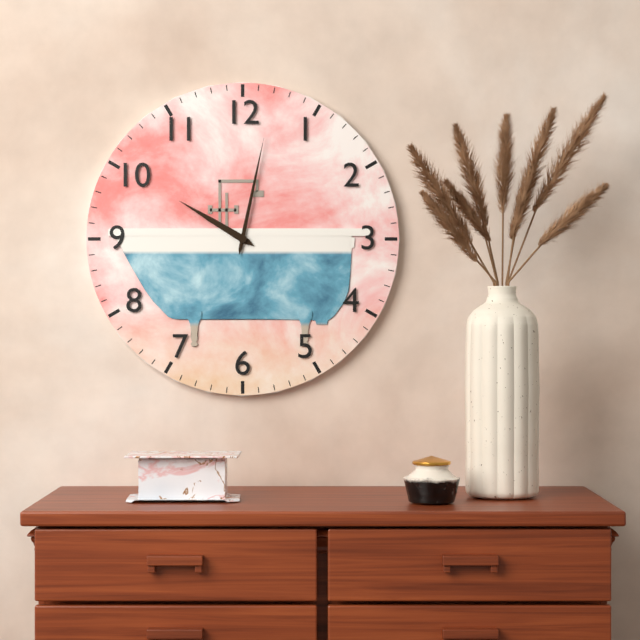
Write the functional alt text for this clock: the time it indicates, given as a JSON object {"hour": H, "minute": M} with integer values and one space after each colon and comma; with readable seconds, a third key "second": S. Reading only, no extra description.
{"hour": 10, "minute": 2}
